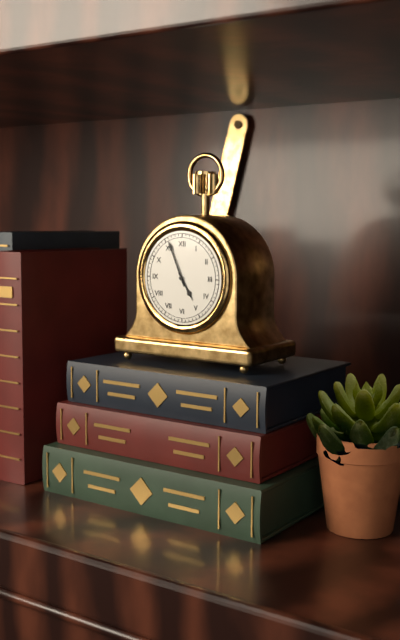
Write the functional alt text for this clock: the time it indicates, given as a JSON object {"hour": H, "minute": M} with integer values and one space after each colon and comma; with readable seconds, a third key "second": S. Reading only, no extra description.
{"hour": 4, "minute": 56}
